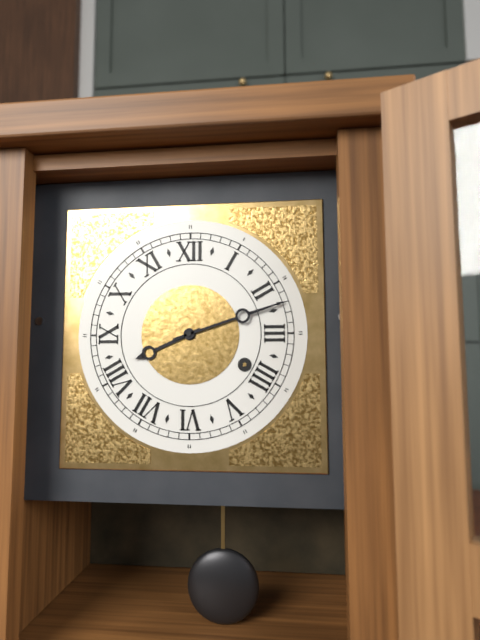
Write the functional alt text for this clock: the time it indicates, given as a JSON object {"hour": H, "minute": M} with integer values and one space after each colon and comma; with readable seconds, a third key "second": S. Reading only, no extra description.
{"hour": 8, "minute": 12}
